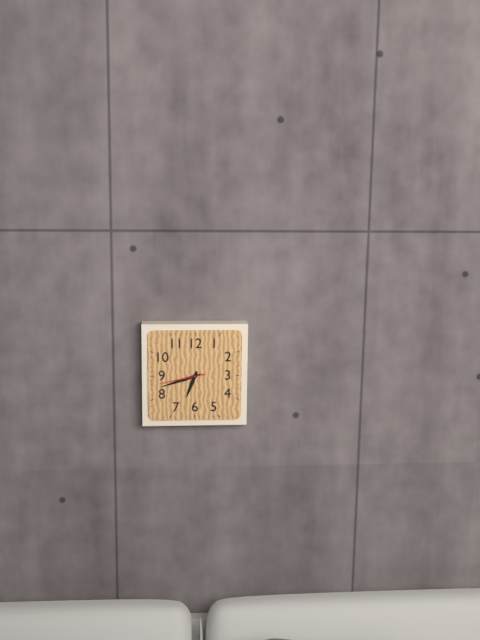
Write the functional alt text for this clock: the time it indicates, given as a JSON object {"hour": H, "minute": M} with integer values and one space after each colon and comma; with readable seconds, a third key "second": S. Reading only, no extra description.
{"hour": 6, "minute": 42}
